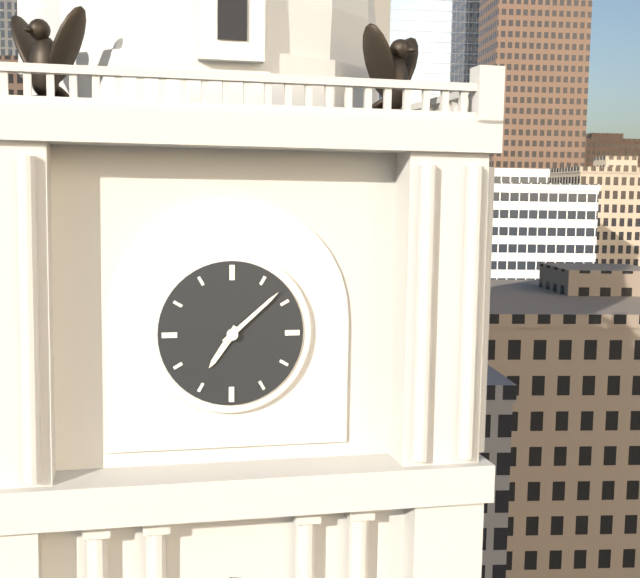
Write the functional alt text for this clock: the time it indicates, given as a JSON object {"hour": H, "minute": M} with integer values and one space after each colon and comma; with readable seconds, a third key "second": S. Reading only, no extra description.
{"hour": 7, "minute": 8}
